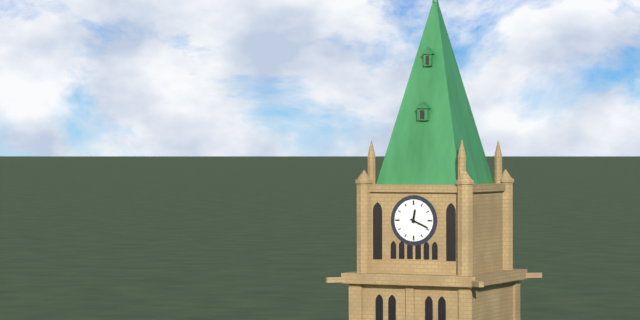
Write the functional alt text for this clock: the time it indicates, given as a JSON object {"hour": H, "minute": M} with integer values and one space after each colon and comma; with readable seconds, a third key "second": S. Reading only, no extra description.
{"hour": 12, "minute": 19}
